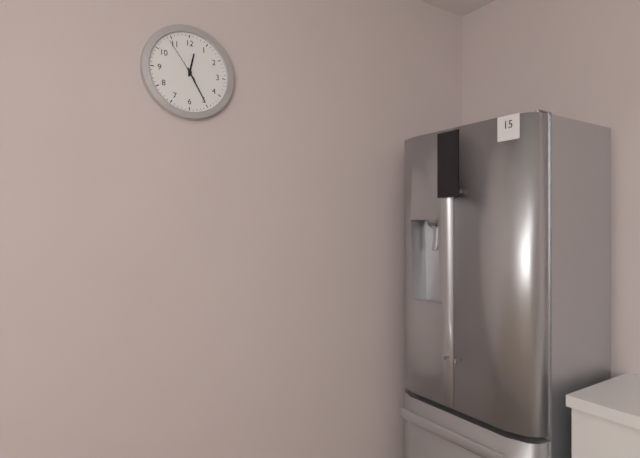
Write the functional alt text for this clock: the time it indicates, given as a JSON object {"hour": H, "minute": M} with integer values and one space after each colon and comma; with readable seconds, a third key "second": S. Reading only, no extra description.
{"hour": 12, "minute": 25}
